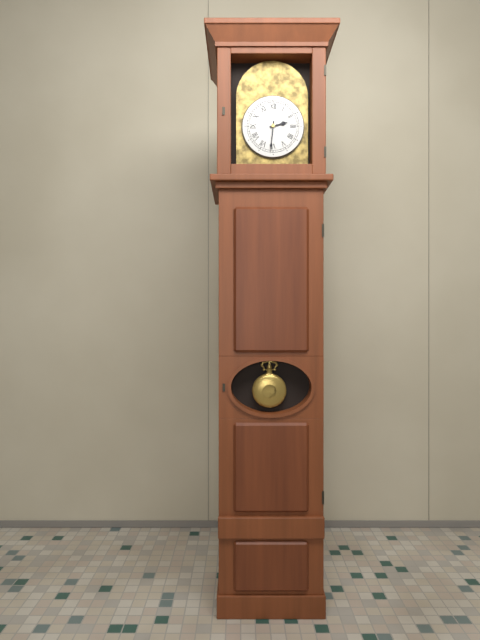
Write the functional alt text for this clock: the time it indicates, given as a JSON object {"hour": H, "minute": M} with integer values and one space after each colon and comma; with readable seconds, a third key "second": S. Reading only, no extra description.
{"hour": 2, "minute": 31}
